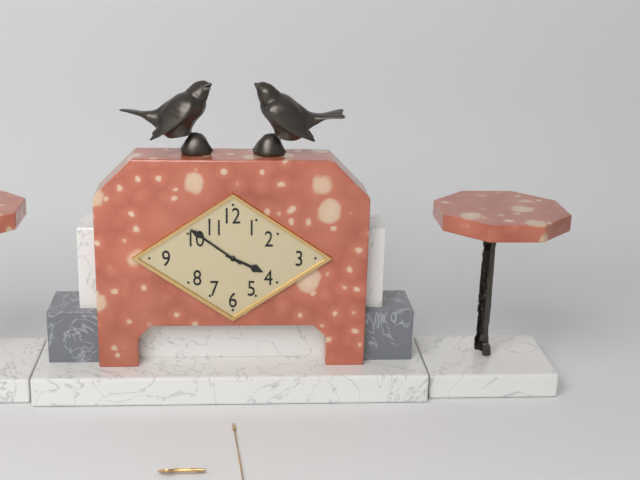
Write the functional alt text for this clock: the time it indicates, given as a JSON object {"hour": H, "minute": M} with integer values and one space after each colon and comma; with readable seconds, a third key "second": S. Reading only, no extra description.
{"hour": 3, "minute": 51}
